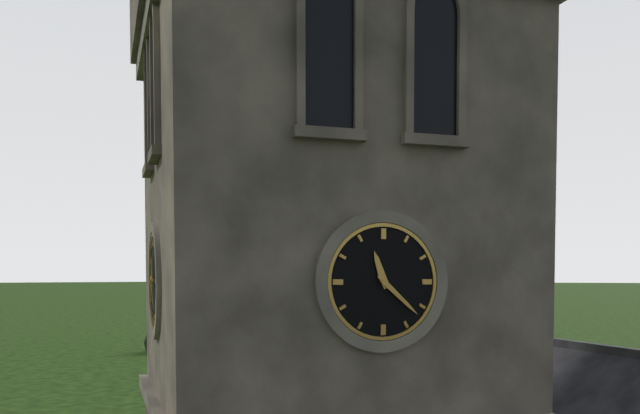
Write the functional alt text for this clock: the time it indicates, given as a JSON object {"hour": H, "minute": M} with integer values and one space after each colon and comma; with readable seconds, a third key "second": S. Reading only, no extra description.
{"hour": 11, "minute": 22}
